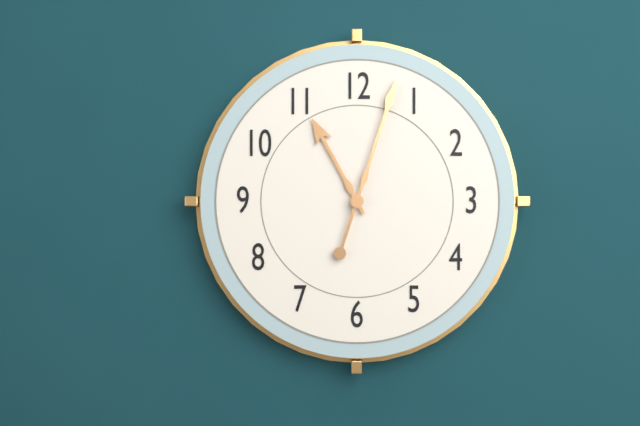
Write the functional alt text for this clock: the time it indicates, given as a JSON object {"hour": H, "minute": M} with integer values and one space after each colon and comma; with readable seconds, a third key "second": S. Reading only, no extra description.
{"hour": 11, "minute": 3}
